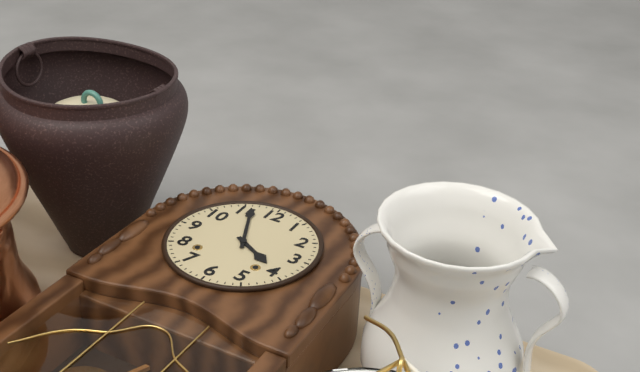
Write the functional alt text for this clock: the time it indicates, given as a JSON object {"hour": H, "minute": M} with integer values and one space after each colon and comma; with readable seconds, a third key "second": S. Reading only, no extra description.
{"hour": 3, "minute": 56}
